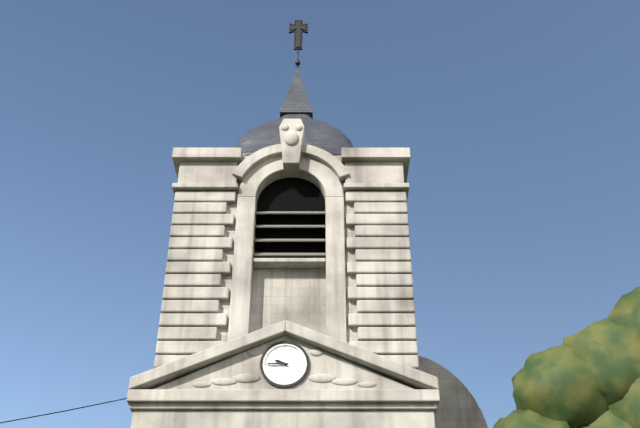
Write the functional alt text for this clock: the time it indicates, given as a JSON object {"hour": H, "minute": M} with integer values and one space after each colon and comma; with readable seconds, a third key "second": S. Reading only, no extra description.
{"hour": 9, "minute": 45}
